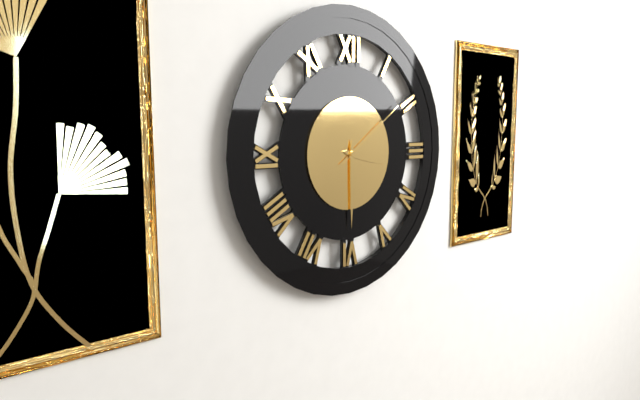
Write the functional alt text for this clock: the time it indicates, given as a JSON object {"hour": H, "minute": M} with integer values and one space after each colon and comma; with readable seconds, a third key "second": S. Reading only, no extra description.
{"hour": 3, "minute": 30, "second": 9}
